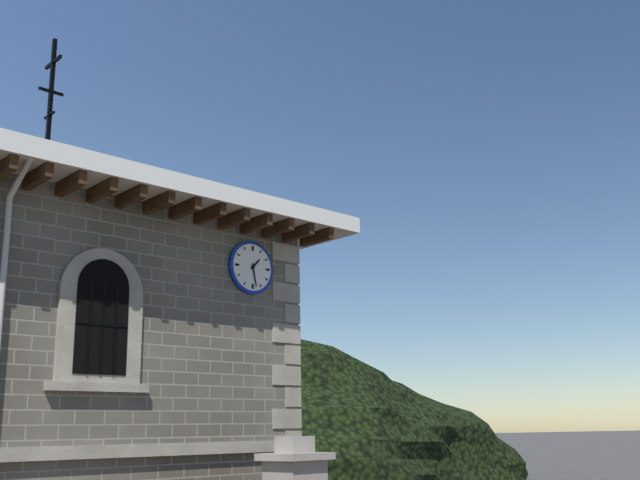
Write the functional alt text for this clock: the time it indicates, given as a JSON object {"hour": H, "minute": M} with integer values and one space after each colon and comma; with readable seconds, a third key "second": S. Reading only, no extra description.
{"hour": 1, "minute": 28}
